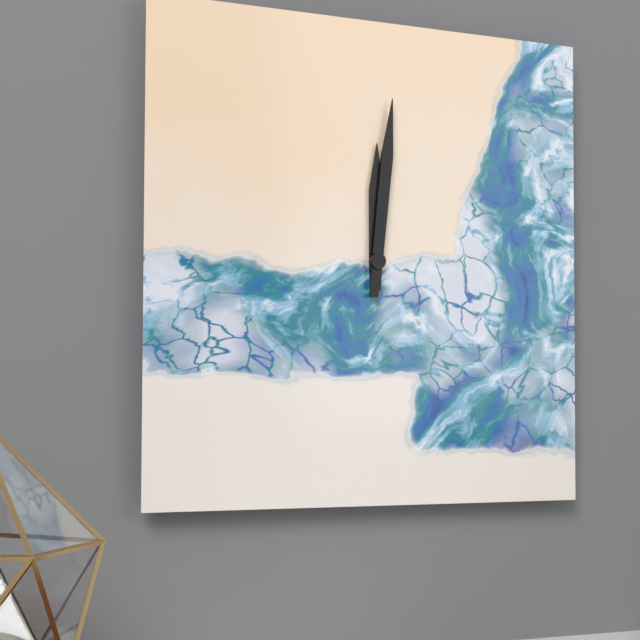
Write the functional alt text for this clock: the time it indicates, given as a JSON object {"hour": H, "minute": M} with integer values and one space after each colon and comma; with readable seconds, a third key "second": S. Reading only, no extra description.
{"hour": 12, "minute": 1}
